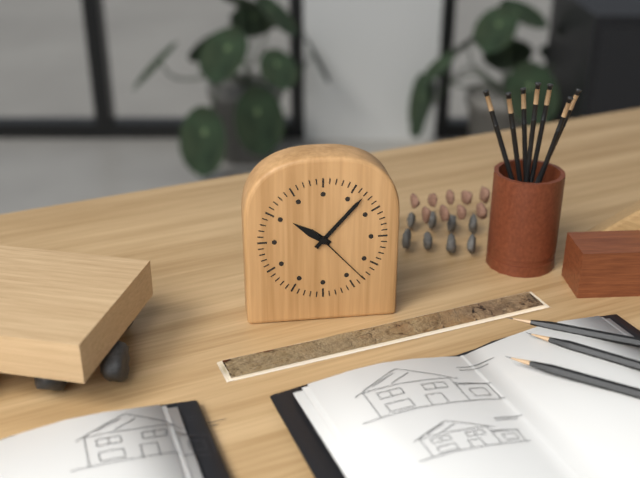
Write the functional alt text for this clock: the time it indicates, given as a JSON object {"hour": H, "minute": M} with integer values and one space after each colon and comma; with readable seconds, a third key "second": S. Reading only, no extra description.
{"hour": 10, "minute": 7, "second": 23}
